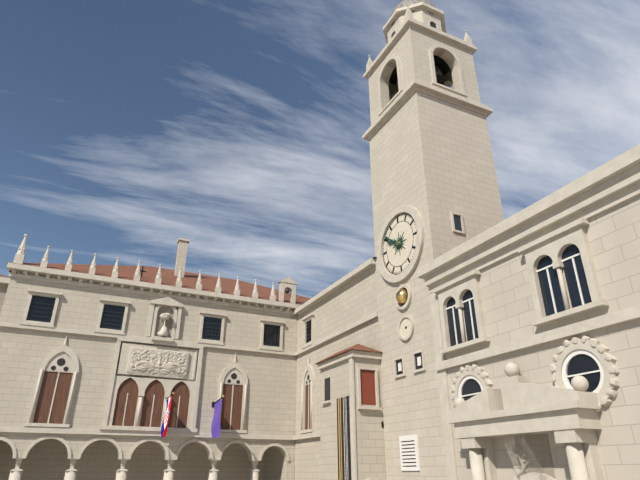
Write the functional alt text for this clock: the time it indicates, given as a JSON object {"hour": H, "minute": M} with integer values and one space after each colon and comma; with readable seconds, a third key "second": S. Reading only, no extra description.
{"hour": 9, "minute": 51}
